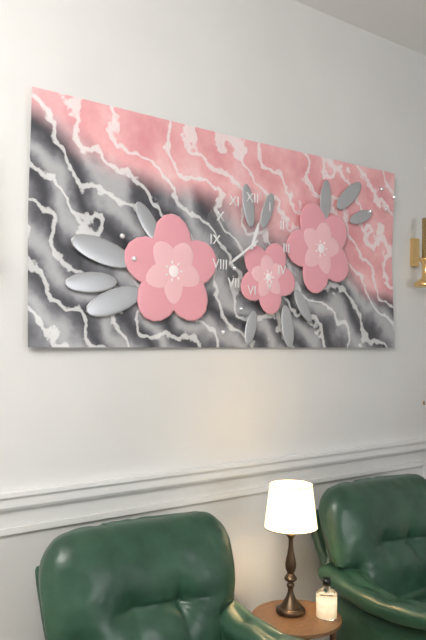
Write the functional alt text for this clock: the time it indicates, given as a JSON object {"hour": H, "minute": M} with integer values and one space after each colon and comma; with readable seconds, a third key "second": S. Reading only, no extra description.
{"hour": 12, "minute": 39}
